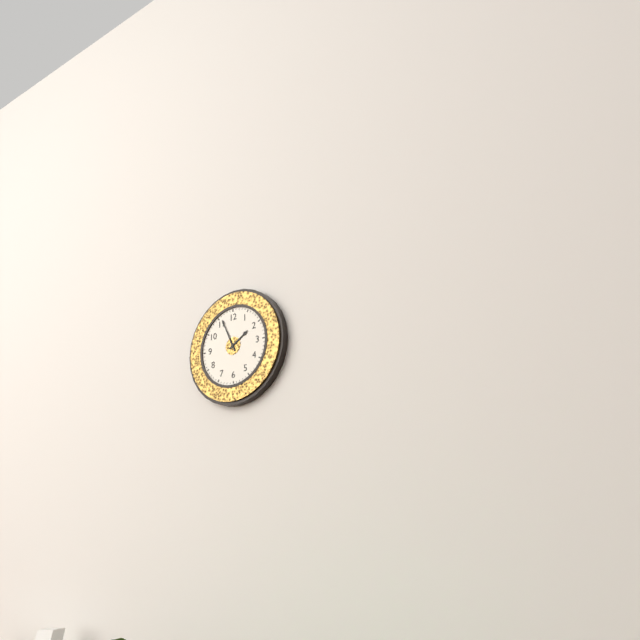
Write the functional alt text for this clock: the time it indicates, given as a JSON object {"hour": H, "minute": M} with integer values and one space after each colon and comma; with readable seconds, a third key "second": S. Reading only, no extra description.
{"hour": 1, "minute": 56}
